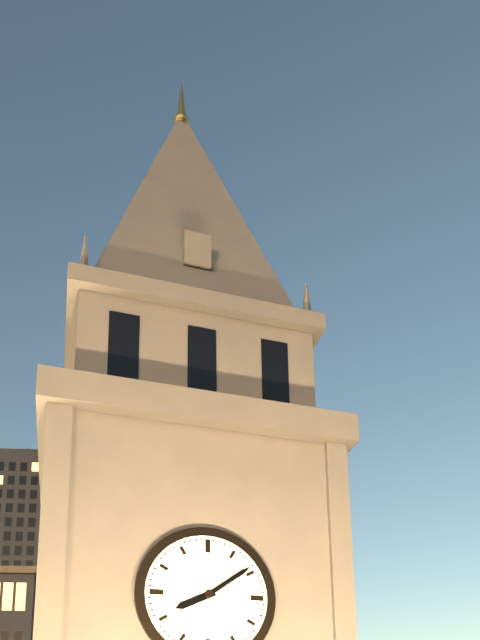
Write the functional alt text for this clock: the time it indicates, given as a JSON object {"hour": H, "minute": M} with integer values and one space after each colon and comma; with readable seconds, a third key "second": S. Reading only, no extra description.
{"hour": 8, "minute": 9}
